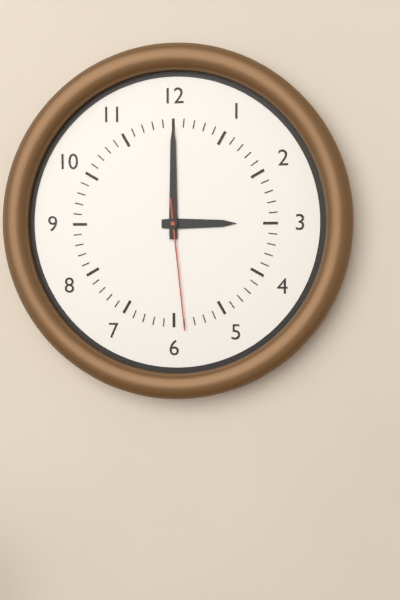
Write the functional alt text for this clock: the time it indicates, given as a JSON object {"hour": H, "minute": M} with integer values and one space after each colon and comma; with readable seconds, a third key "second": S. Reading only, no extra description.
{"hour": 3, "minute": 0, "second": 29}
